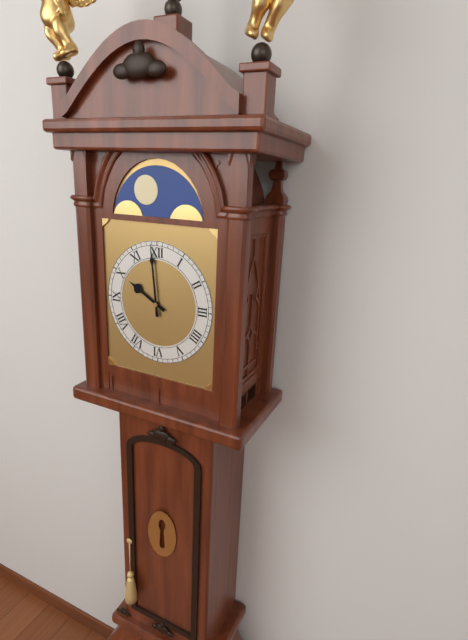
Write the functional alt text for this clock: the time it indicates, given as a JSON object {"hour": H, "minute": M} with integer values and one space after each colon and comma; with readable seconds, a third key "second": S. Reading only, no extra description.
{"hour": 9, "minute": 59}
